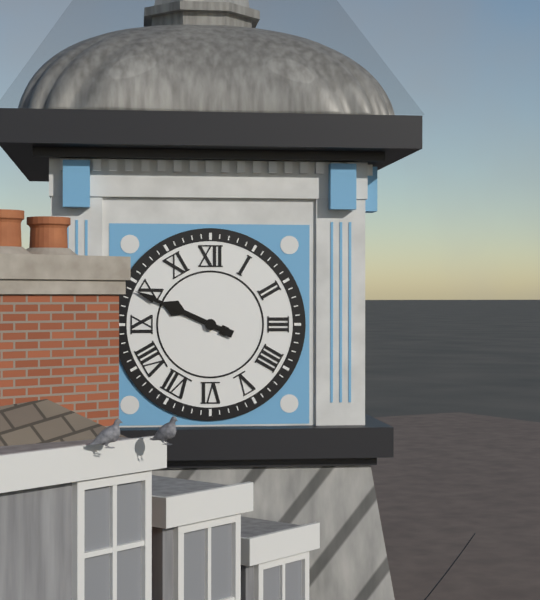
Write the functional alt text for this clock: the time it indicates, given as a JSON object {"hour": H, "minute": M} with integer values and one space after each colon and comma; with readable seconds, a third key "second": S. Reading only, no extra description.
{"hour": 9, "minute": 49}
